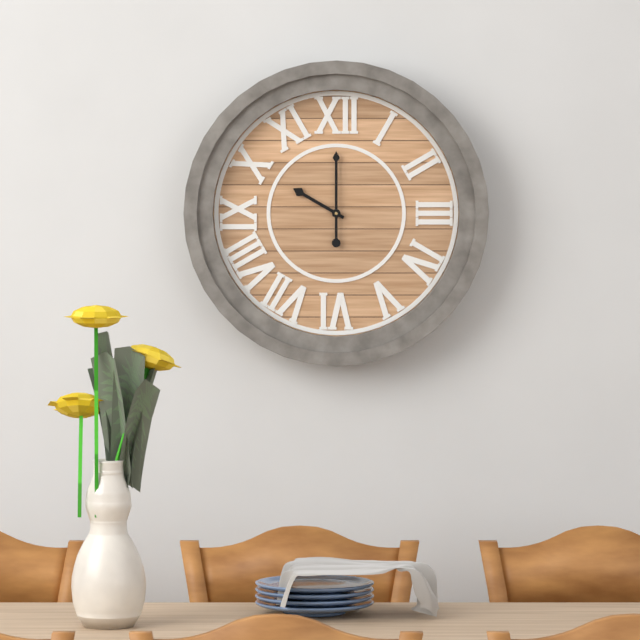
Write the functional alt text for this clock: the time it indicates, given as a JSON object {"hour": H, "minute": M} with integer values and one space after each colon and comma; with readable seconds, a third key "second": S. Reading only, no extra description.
{"hour": 10, "minute": 0}
